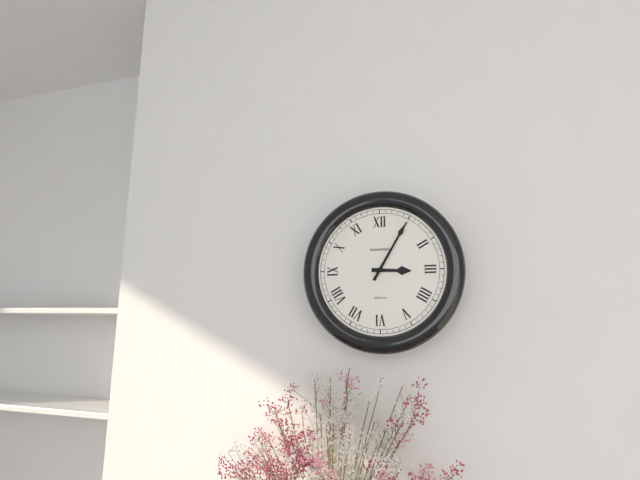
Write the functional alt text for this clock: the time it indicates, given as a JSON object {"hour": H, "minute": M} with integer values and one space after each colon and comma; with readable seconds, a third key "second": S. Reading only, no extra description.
{"hour": 3, "minute": 5}
